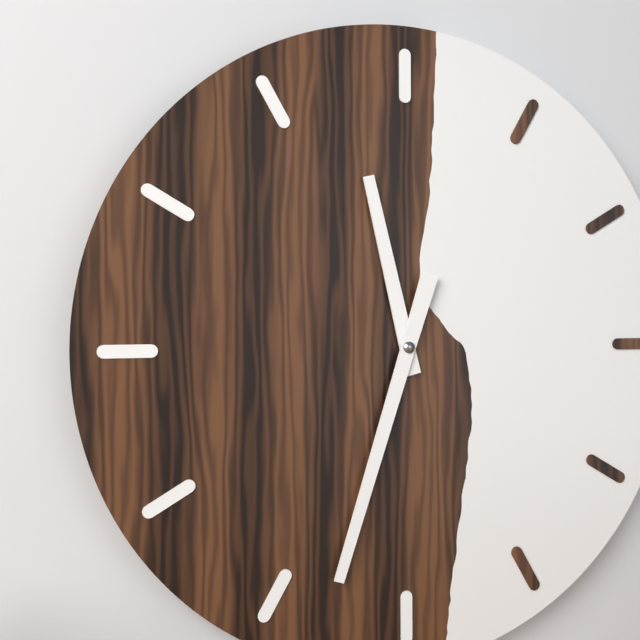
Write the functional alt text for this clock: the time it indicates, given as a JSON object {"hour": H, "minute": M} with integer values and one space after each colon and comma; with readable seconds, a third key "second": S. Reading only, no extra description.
{"hour": 11, "minute": 33}
